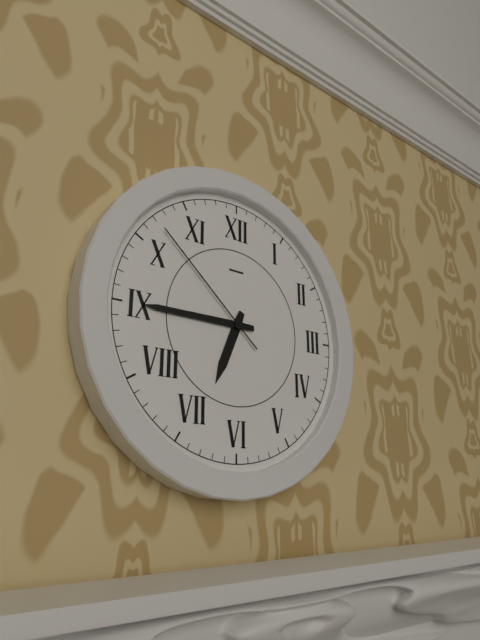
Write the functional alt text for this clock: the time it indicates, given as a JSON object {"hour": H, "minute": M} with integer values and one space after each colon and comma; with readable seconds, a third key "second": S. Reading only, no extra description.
{"hour": 6, "minute": 45, "second": 52}
